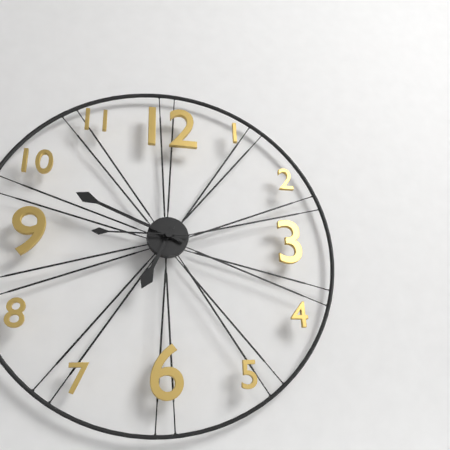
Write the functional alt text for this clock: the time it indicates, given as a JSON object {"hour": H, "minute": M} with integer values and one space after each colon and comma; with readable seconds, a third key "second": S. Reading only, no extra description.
{"hour": 6, "minute": 49, "second": 45}
